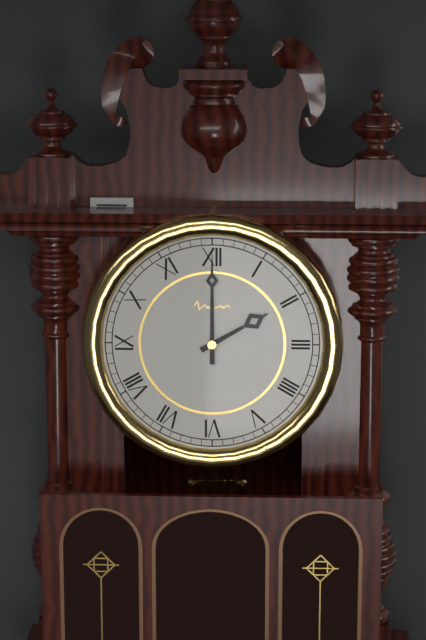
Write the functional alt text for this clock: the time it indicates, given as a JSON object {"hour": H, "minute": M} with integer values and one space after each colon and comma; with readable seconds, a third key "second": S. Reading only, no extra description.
{"hour": 2, "minute": 0}
